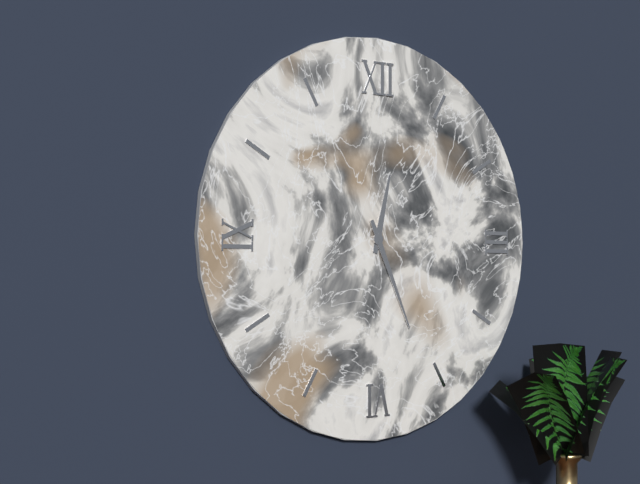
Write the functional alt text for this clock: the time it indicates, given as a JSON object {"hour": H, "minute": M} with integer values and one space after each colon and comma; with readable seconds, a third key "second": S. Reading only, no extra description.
{"hour": 12, "minute": 26}
